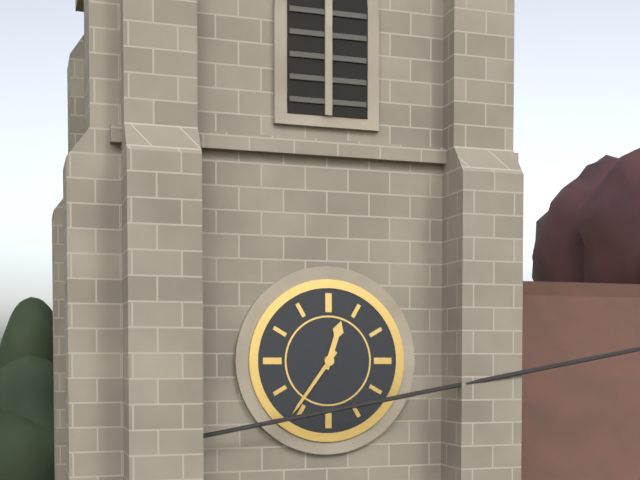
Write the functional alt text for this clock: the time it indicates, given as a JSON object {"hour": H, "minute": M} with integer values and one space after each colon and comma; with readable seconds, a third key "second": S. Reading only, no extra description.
{"hour": 12, "minute": 36}
